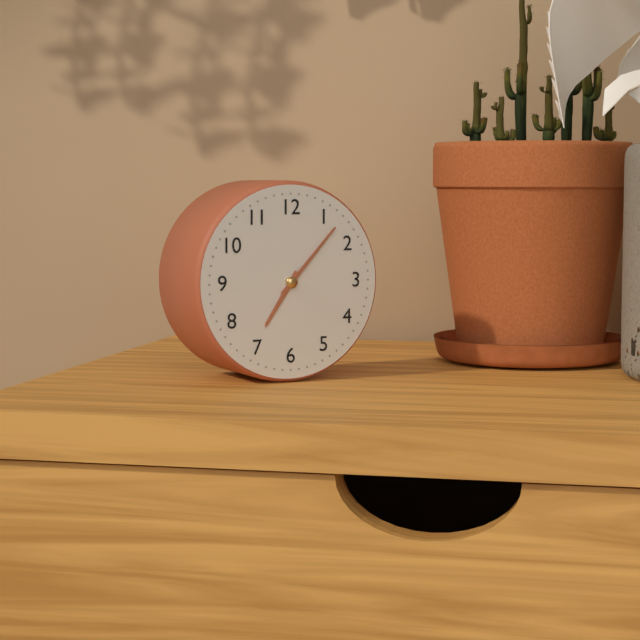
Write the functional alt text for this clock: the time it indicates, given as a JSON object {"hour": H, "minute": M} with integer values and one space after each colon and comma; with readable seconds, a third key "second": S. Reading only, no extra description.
{"hour": 7, "minute": 7}
